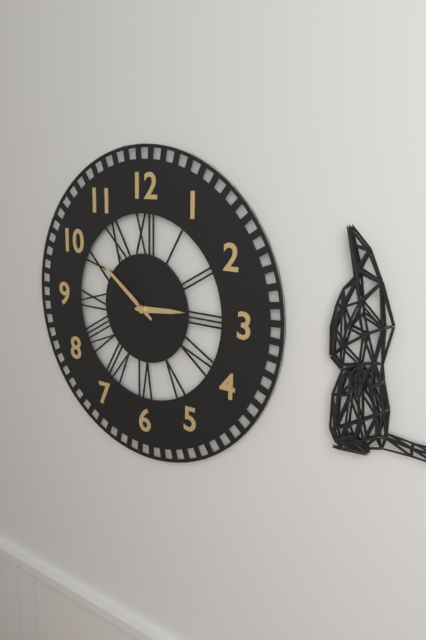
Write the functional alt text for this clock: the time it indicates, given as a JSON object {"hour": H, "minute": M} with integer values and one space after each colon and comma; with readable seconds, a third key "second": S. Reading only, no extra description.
{"hour": 2, "minute": 51, "second": 55}
